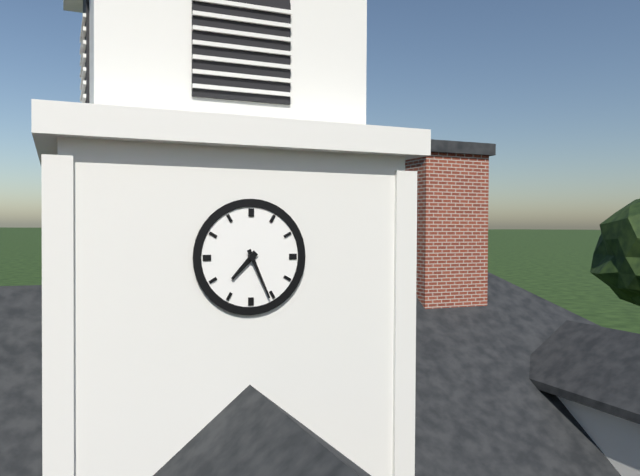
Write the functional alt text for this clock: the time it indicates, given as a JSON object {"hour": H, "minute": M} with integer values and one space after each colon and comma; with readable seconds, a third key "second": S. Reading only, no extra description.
{"hour": 7, "minute": 26}
